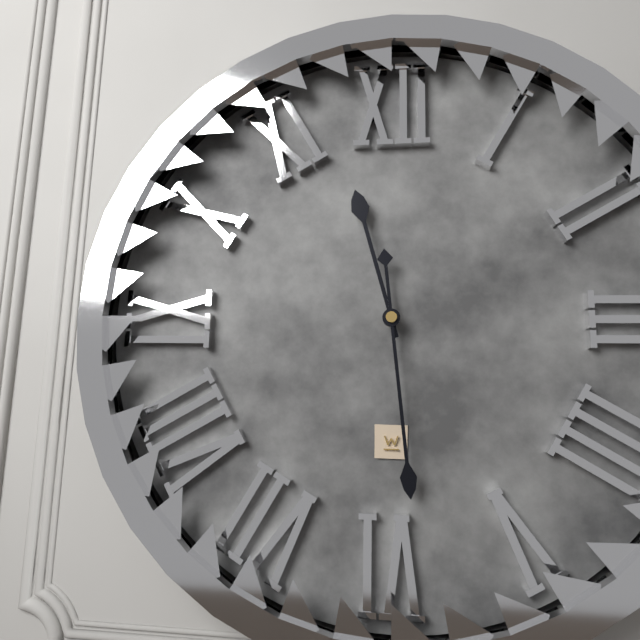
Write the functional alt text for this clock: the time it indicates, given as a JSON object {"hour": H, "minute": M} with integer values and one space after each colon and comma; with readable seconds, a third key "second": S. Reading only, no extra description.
{"hour": 11, "minute": 29}
